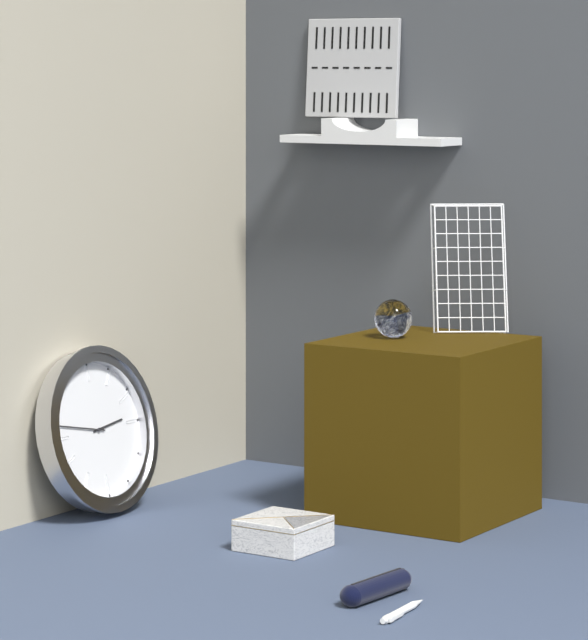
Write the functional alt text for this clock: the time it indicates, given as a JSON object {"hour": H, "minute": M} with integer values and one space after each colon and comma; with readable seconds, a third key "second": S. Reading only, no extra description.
{"hour": 2, "minute": 47}
